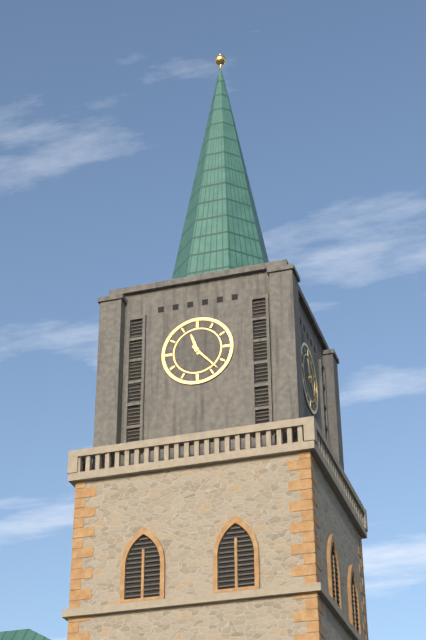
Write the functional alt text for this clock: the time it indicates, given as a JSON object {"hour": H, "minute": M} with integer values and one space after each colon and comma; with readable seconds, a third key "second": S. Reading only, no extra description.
{"hour": 11, "minute": 23}
